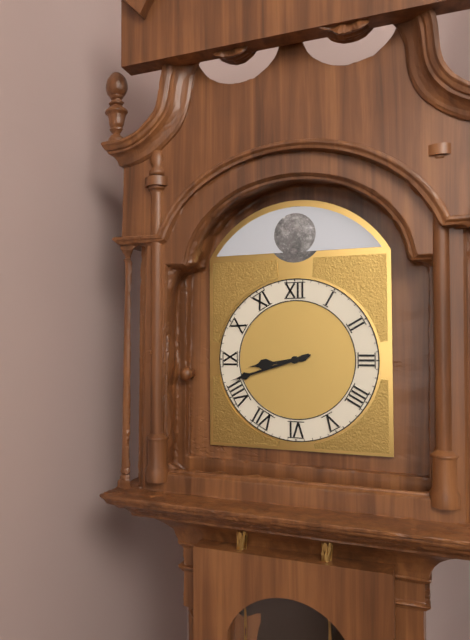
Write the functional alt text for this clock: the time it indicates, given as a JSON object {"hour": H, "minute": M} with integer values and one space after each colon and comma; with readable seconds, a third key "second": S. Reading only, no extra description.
{"hour": 8, "minute": 42}
